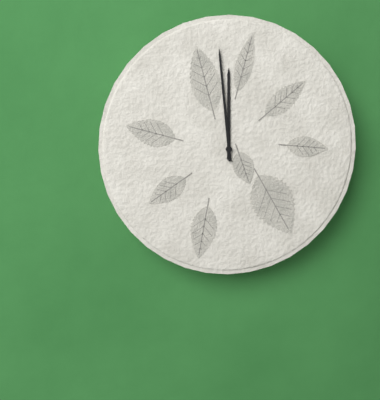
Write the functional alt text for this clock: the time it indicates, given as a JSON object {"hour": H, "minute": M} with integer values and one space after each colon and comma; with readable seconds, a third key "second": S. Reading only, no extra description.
{"hour": 11, "minute": 59}
